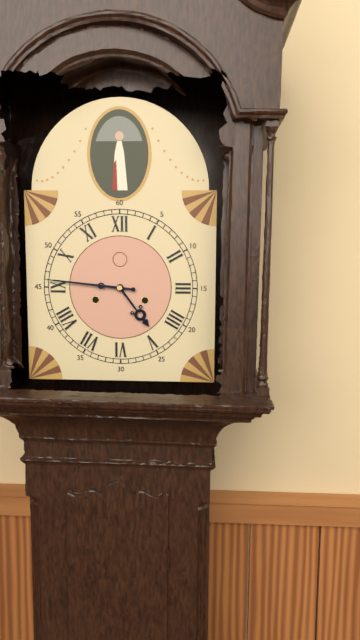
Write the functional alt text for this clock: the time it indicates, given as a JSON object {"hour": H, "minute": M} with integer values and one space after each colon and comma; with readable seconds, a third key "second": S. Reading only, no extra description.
{"hour": 4, "minute": 46}
